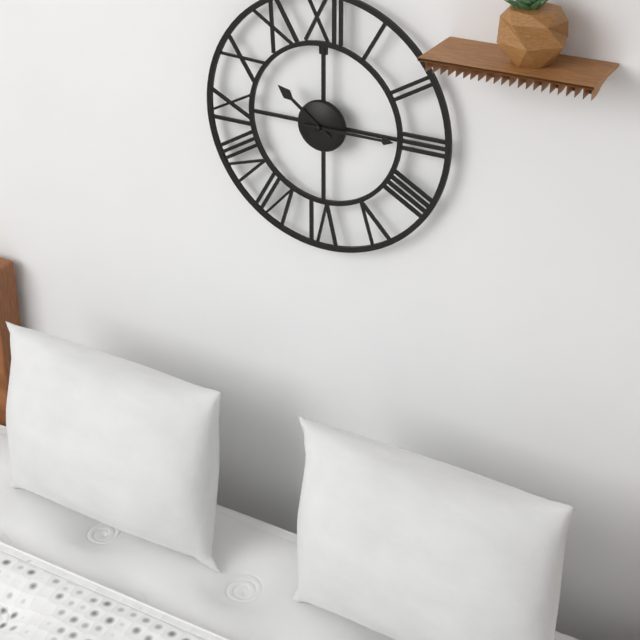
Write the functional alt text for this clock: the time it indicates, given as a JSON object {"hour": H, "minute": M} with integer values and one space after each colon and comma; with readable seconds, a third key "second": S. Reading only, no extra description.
{"hour": 10, "minute": 15}
